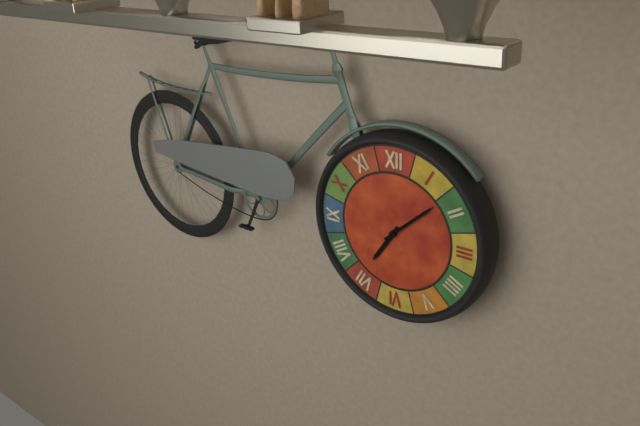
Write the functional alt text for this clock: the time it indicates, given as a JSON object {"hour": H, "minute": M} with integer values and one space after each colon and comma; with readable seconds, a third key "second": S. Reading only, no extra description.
{"hour": 7, "minute": 8}
